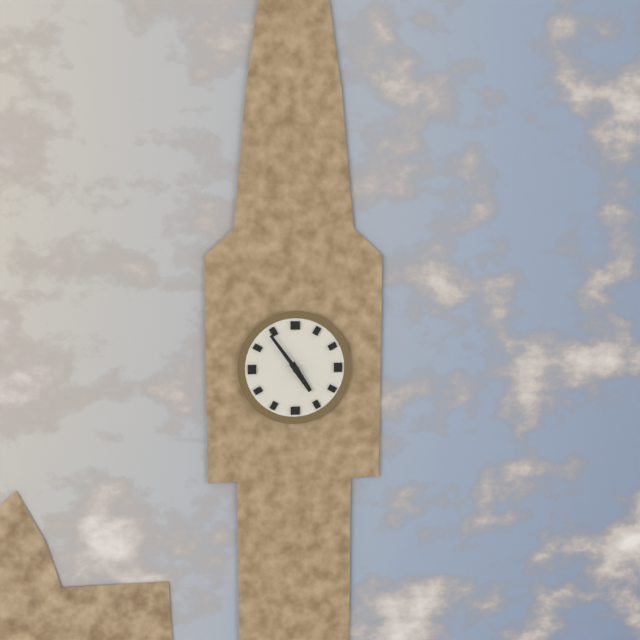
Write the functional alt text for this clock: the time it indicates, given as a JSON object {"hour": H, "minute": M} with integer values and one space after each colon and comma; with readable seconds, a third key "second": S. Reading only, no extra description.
{"hour": 4, "minute": 54}
